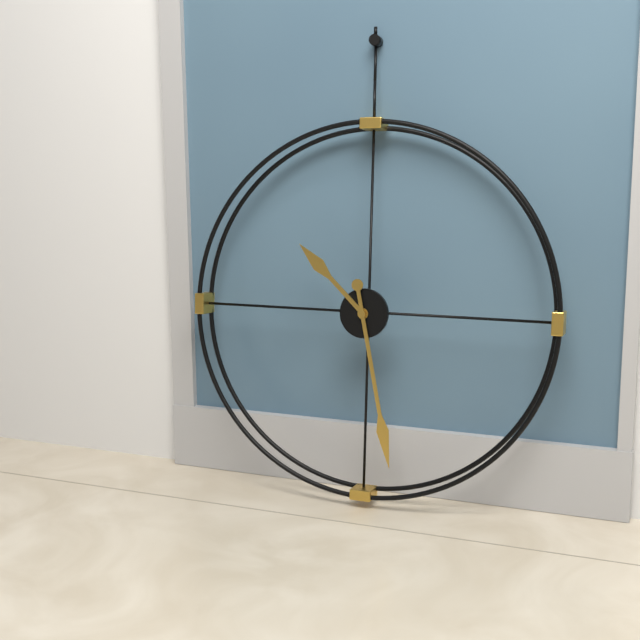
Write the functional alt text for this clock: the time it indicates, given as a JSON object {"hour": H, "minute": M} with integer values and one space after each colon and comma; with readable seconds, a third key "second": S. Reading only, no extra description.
{"hour": 10, "minute": 28}
